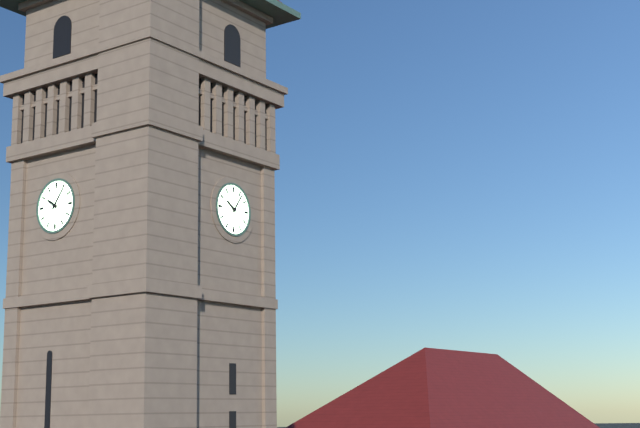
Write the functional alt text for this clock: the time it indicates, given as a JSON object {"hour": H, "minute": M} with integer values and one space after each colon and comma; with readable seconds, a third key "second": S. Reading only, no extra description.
{"hour": 10, "minute": 6}
